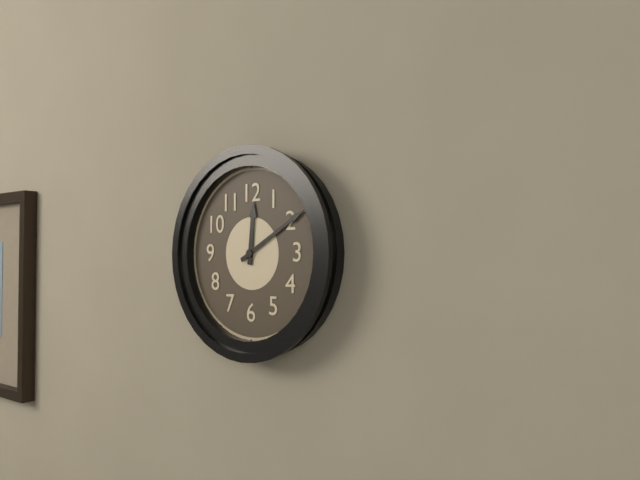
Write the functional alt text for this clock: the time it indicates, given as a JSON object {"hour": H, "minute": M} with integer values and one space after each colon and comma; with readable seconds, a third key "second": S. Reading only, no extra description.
{"hour": 12, "minute": 10}
